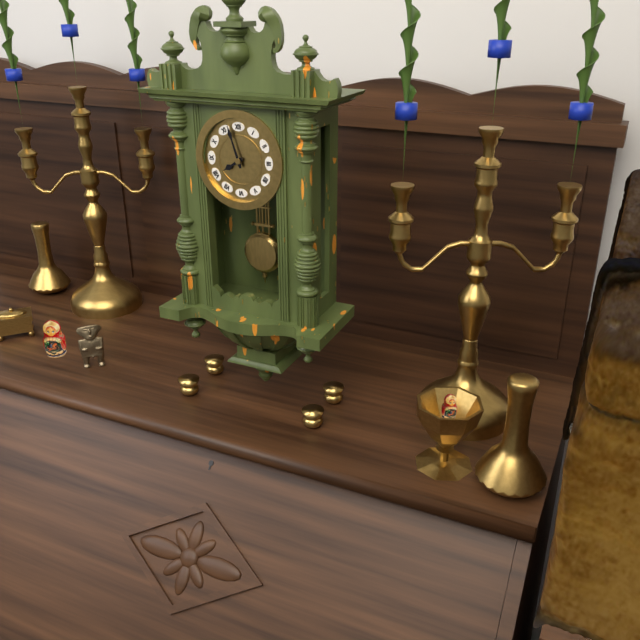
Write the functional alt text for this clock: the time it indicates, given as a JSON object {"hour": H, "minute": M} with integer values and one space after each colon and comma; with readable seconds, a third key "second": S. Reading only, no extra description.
{"hour": 7, "minute": 57}
